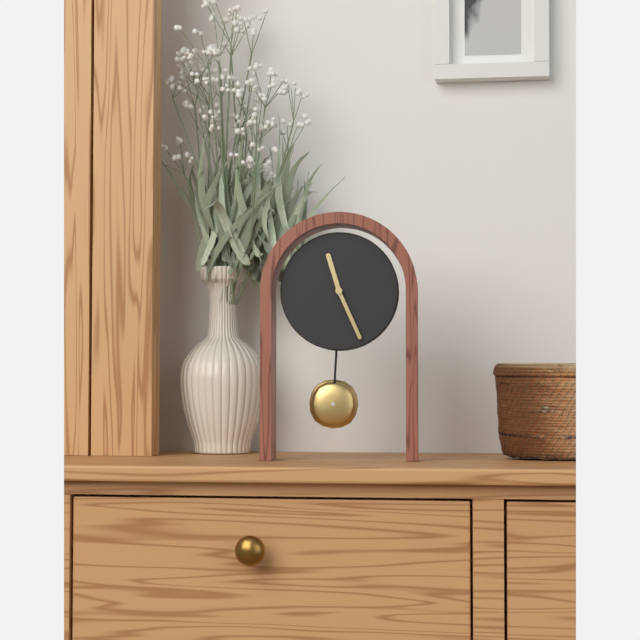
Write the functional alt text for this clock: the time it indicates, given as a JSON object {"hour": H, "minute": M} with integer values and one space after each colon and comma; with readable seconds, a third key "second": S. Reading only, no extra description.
{"hour": 11, "minute": 26}
